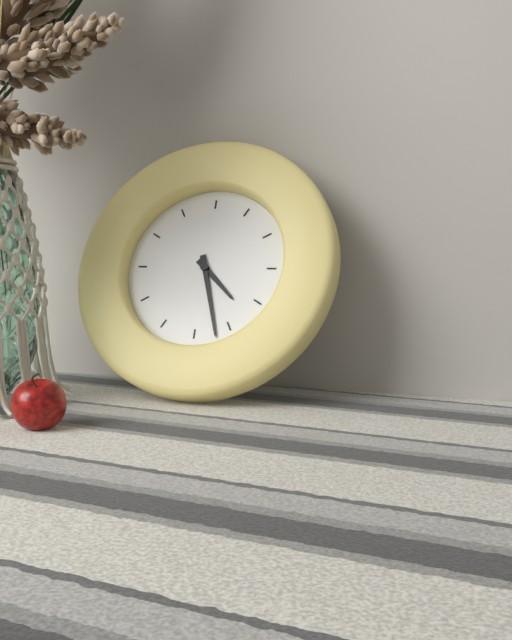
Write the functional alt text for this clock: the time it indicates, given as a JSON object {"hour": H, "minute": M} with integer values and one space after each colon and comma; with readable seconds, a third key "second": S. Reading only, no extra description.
{"hour": 4, "minute": 27}
